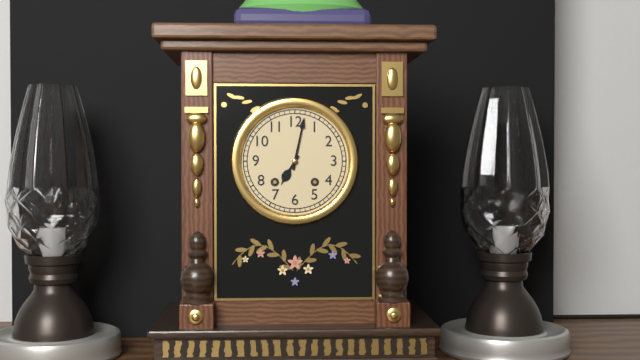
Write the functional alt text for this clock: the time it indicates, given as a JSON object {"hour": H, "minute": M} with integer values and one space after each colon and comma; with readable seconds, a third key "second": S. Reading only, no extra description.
{"hour": 7, "minute": 2}
